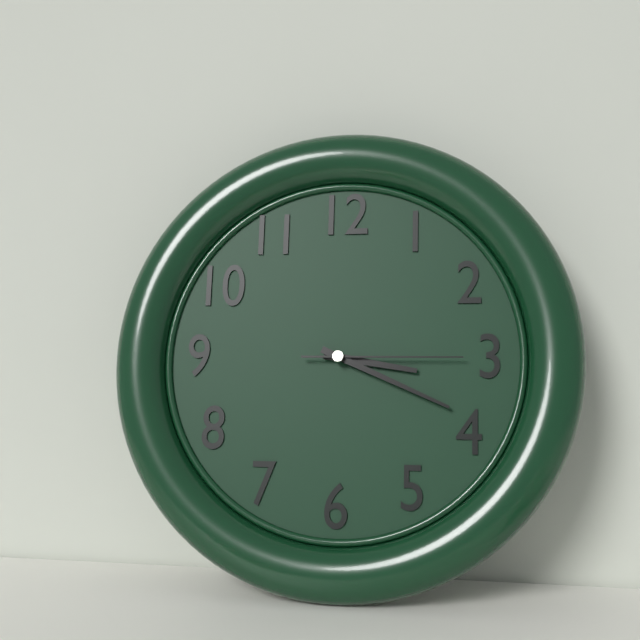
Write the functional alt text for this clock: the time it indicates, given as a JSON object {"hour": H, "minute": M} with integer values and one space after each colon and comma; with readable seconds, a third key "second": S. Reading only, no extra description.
{"hour": 3, "minute": 19, "second": 15}
